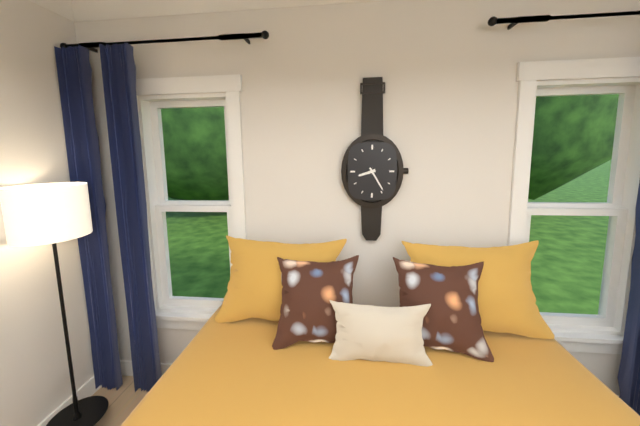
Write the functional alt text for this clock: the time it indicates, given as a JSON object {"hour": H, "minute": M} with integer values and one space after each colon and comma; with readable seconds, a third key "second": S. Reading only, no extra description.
{"hour": 8, "minute": 25}
